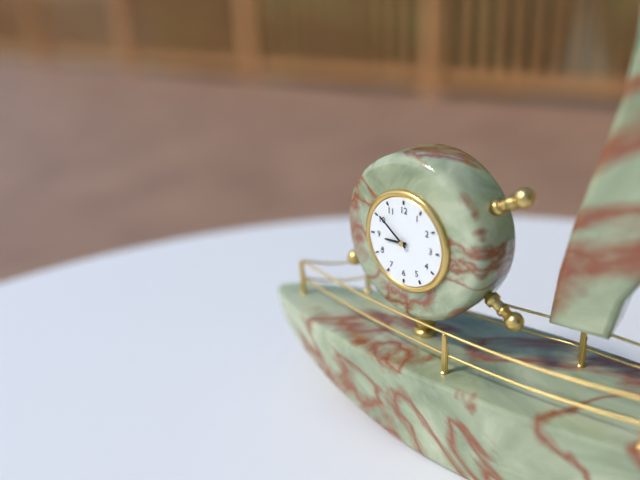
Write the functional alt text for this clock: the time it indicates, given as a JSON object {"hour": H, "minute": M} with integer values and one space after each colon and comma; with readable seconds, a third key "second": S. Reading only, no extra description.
{"hour": 8, "minute": 51}
